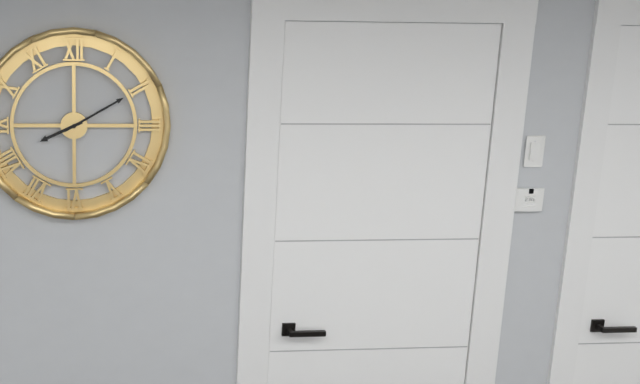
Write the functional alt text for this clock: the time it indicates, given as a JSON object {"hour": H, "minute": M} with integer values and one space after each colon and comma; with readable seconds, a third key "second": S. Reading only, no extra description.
{"hour": 8, "minute": 10}
